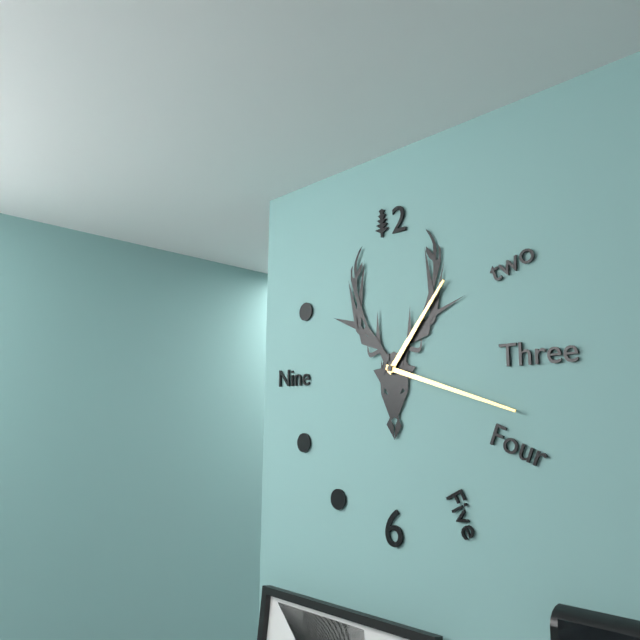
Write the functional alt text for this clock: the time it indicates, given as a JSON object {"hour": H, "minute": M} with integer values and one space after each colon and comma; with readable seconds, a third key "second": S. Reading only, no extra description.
{"hour": 1, "minute": 18}
